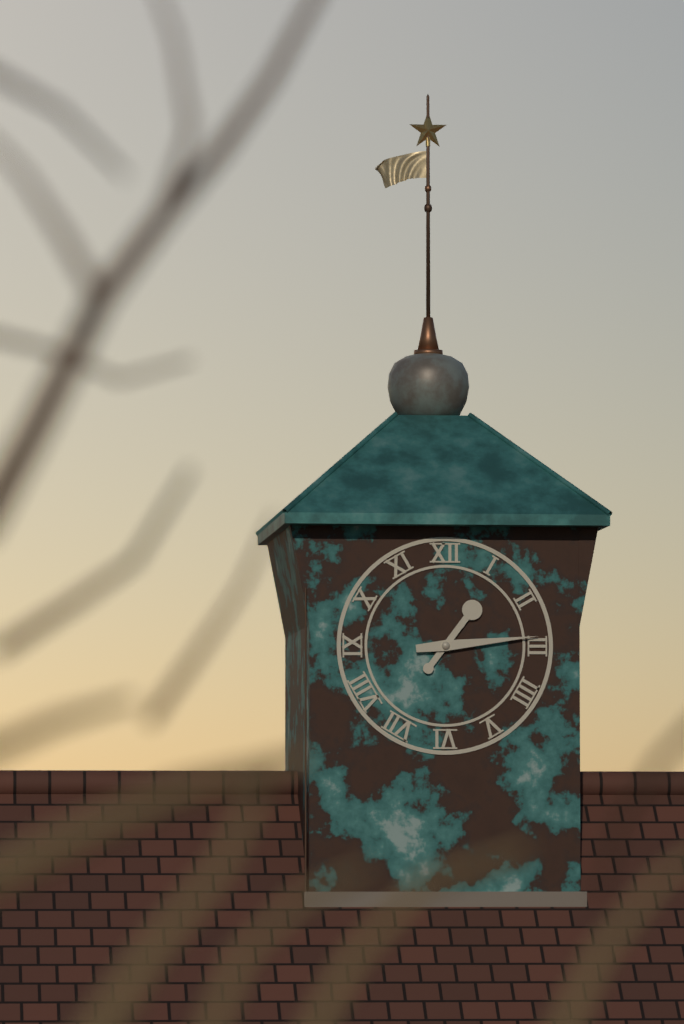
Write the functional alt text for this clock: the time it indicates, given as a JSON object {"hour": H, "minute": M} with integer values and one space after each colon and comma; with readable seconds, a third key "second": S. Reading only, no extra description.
{"hour": 1, "minute": 14}
